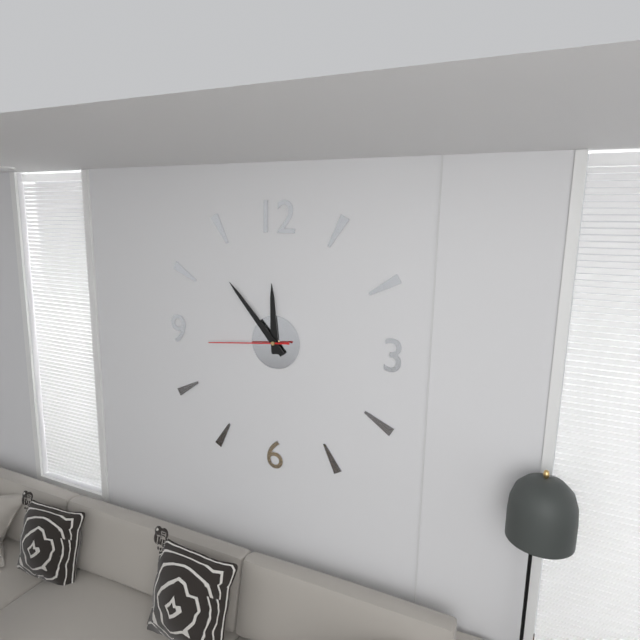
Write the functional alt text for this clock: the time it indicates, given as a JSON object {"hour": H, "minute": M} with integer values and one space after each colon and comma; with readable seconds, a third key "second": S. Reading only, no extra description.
{"hour": 11, "minute": 53, "second": 44}
